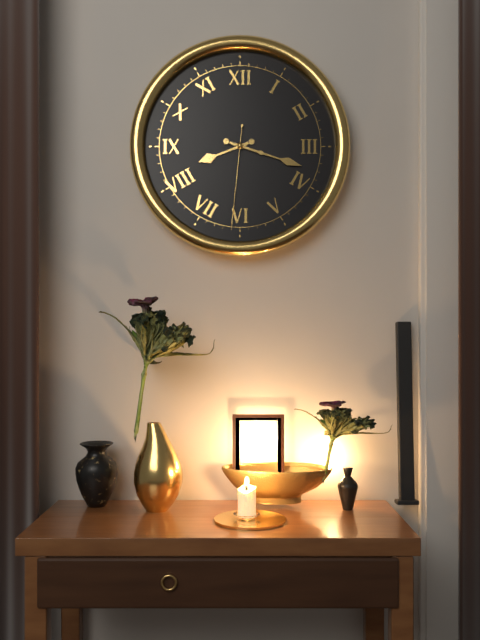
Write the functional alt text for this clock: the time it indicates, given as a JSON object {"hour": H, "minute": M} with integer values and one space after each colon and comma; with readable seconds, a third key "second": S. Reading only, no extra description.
{"hour": 8, "minute": 18, "second": 31}
